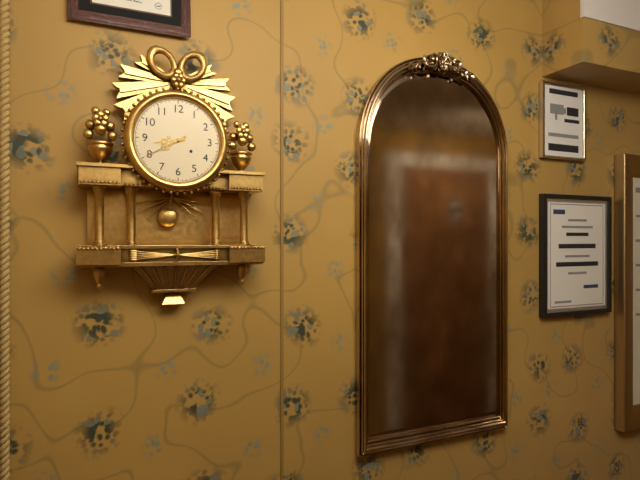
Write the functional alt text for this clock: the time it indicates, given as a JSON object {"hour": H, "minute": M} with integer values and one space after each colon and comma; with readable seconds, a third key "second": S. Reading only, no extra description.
{"hour": 8, "minute": 40}
